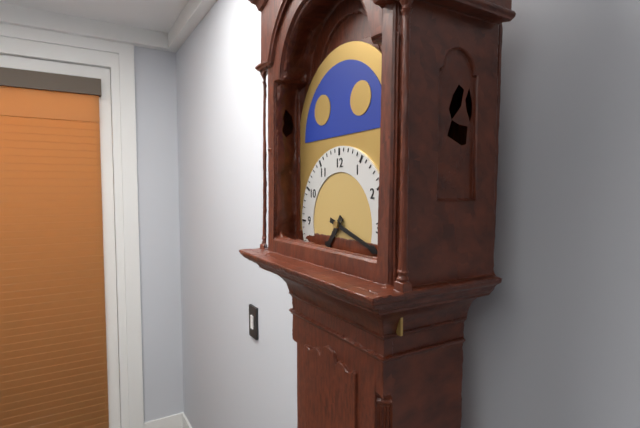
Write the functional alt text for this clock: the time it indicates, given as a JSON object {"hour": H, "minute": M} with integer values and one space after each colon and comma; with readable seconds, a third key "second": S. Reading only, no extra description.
{"hour": 7, "minute": 18}
